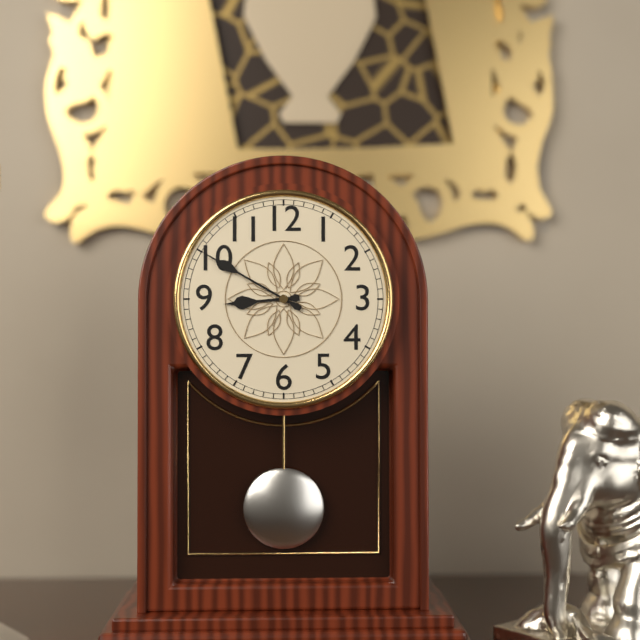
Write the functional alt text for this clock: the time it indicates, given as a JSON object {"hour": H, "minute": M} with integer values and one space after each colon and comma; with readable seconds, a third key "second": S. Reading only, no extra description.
{"hour": 8, "minute": 50}
